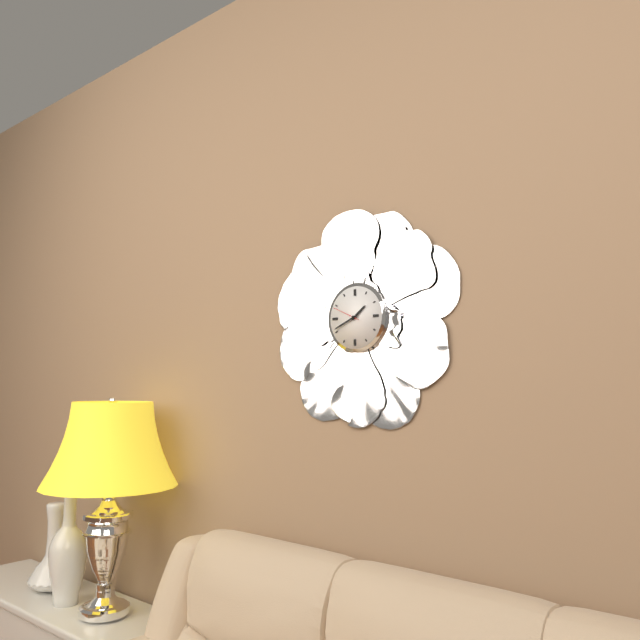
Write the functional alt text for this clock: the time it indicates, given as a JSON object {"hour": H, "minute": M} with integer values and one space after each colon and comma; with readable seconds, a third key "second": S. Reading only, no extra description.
{"hour": 1, "minute": 41}
